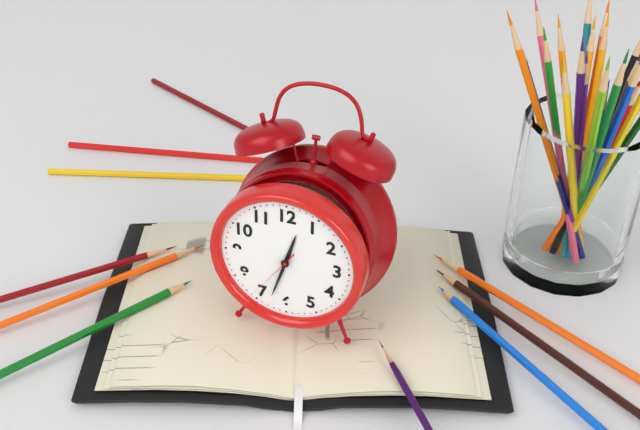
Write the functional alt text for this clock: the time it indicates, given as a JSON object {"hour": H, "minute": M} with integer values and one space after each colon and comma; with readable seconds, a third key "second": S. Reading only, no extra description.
{"hour": 12, "minute": 33, "second": 36}
